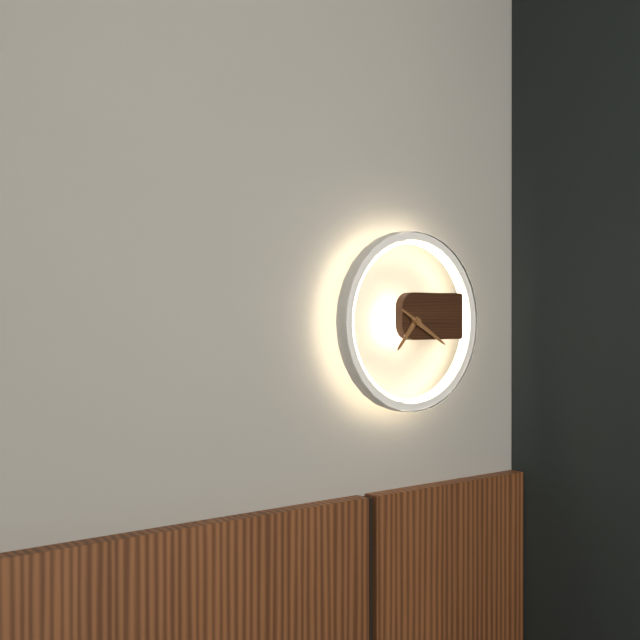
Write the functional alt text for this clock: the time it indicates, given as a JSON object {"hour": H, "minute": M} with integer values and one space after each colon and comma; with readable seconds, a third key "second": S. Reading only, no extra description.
{"hour": 7, "minute": 20}
